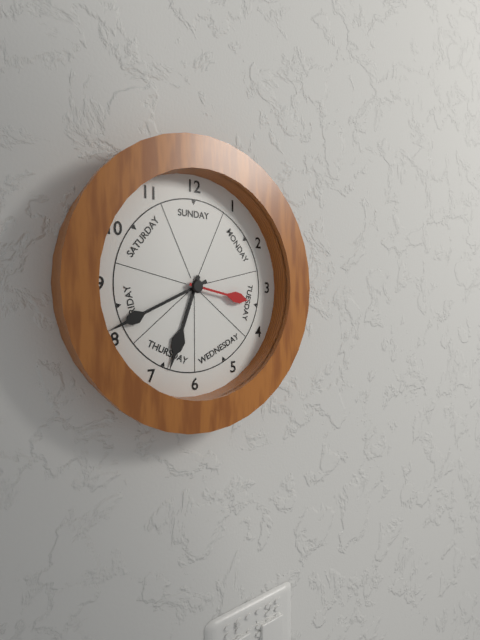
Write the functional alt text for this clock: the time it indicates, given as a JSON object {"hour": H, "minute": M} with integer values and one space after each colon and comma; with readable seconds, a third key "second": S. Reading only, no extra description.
{"hour": 6, "minute": 41, "second": 17}
